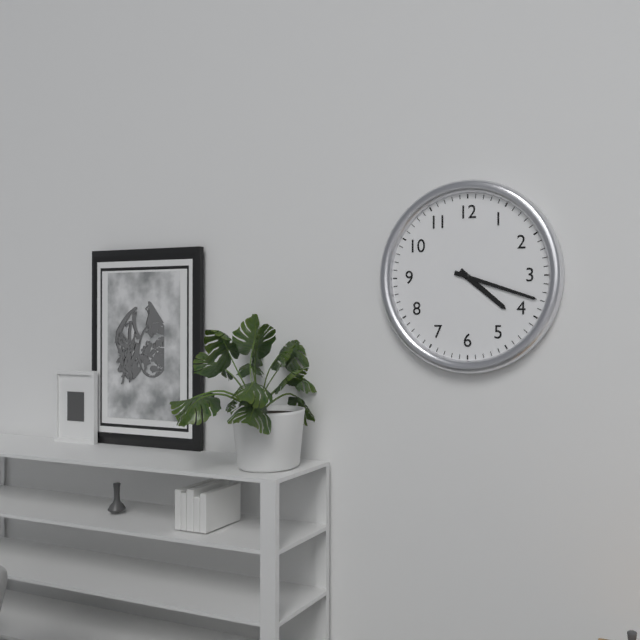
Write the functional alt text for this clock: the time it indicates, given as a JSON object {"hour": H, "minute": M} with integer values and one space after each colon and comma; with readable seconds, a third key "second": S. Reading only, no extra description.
{"hour": 4, "minute": 18}
